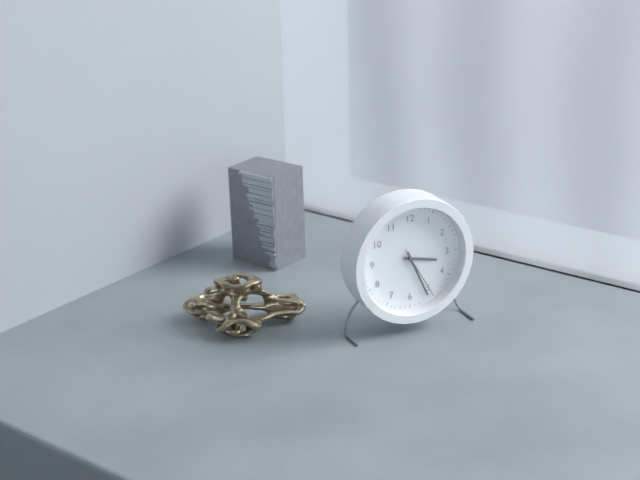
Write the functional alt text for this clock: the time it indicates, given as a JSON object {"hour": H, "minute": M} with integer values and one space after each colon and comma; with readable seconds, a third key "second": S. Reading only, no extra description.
{"hour": 3, "minute": 26, "second": 25}
